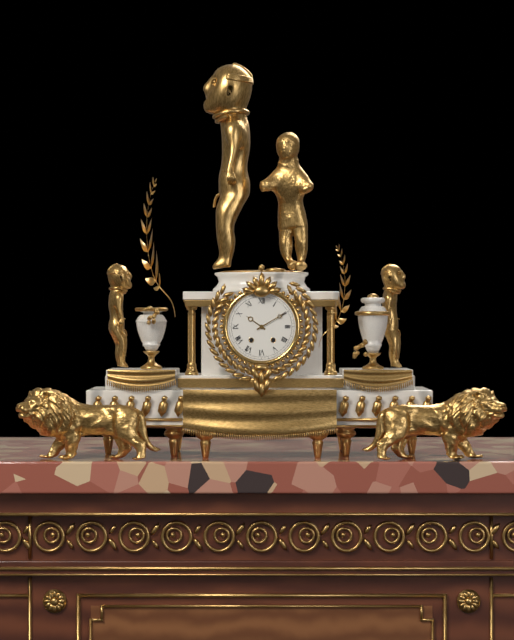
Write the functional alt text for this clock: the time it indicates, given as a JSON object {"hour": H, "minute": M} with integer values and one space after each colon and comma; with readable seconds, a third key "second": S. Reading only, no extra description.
{"hour": 10, "minute": 10}
